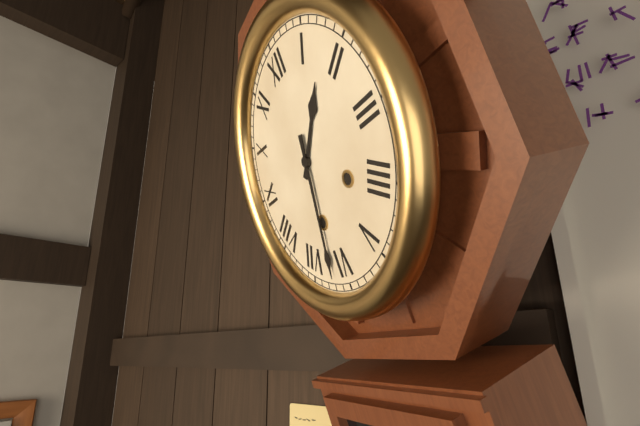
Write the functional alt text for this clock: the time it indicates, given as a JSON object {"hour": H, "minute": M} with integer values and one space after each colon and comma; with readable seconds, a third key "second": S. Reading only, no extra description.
{"hour": 1, "minute": 32}
